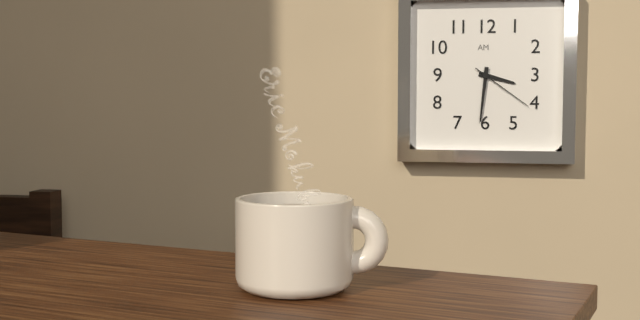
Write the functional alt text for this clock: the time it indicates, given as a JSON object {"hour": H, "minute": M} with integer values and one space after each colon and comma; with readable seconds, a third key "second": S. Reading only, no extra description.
{"hour": 3, "minute": 31, "second": 21}
